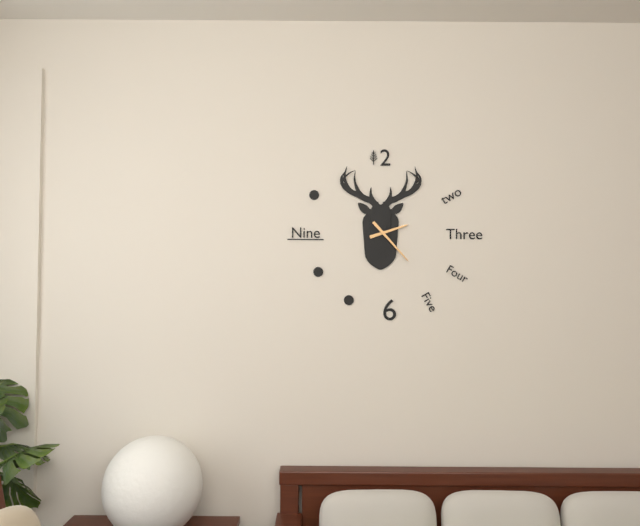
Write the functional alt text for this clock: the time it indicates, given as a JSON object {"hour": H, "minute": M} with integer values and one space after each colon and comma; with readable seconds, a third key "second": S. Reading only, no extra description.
{"hour": 2, "minute": 23}
